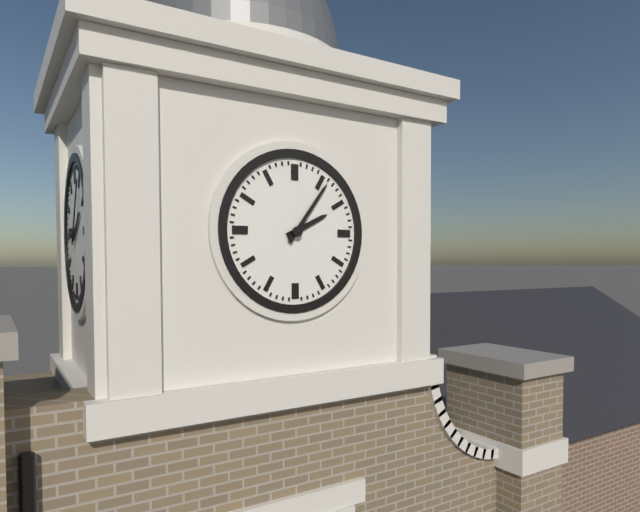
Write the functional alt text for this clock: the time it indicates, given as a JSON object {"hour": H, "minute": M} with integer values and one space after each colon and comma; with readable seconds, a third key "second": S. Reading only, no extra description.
{"hour": 2, "minute": 6}
